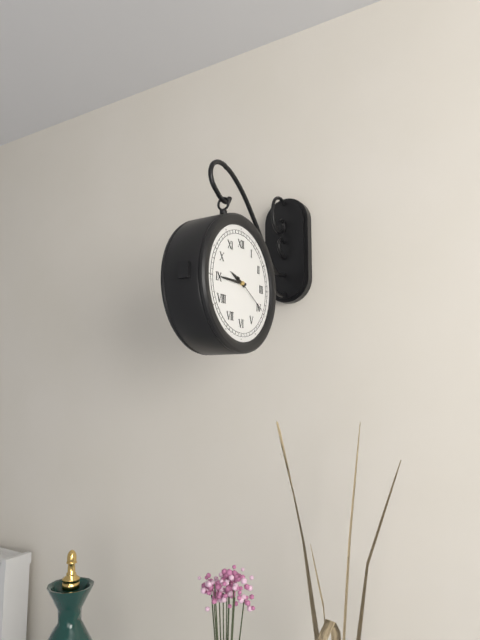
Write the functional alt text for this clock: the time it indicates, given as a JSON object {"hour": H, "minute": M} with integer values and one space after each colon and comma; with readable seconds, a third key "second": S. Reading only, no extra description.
{"hour": 9, "minute": 45}
